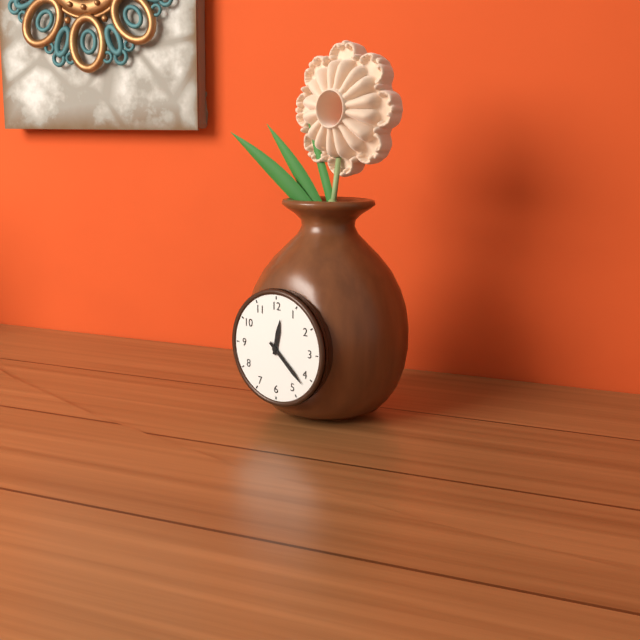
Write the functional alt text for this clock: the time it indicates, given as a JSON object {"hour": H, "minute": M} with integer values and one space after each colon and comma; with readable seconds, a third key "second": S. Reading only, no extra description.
{"hour": 12, "minute": 22}
